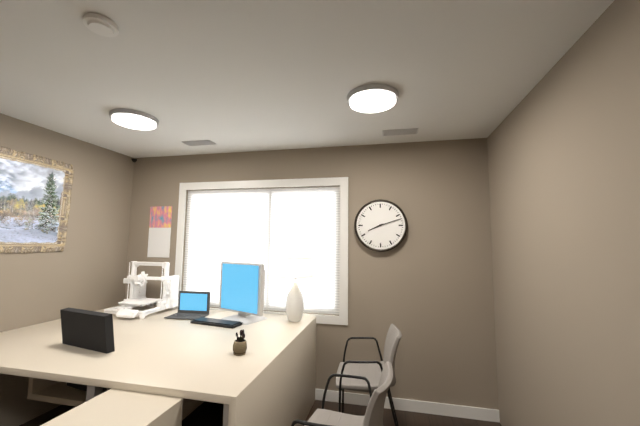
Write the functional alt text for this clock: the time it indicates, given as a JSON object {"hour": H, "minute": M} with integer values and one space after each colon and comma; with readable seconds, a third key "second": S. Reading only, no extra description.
{"hour": 8, "minute": 12}
